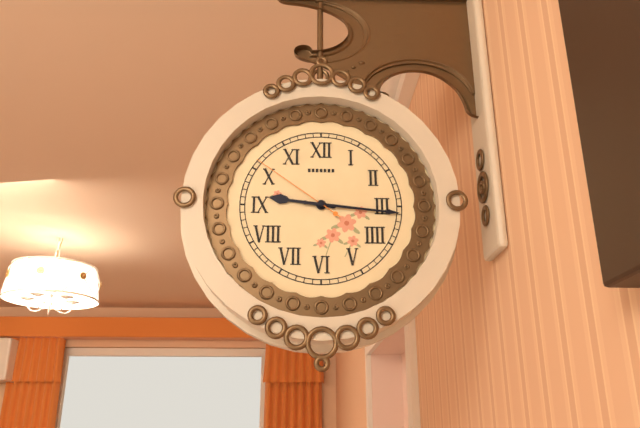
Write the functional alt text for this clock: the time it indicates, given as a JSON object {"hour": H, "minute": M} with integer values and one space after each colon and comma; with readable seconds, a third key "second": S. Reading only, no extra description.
{"hour": 9, "minute": 16, "second": 51}
